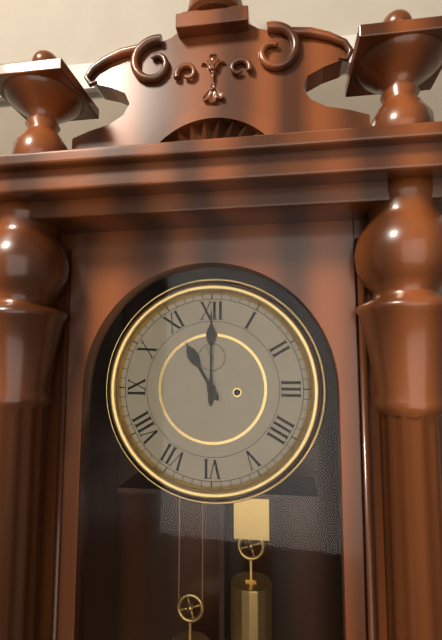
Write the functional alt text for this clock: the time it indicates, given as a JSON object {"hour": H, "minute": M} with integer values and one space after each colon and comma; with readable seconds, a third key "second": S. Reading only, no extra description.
{"hour": 11, "minute": 0}
